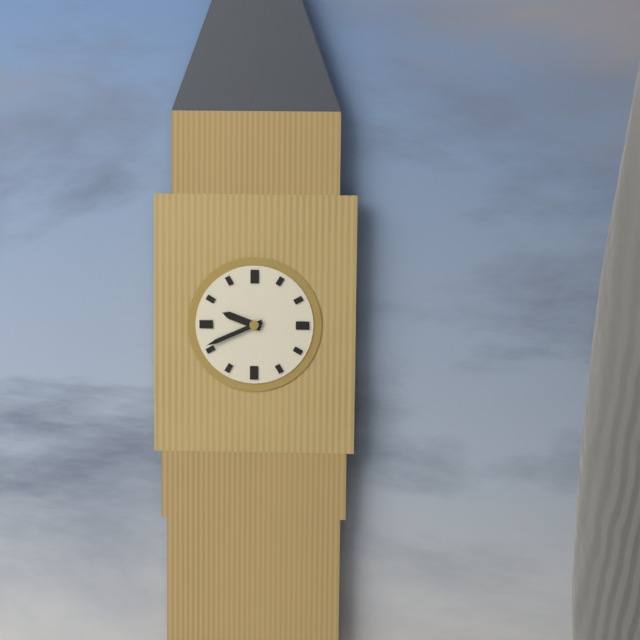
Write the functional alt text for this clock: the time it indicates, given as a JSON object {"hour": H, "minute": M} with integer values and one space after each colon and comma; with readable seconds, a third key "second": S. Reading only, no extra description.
{"hour": 9, "minute": 41}
